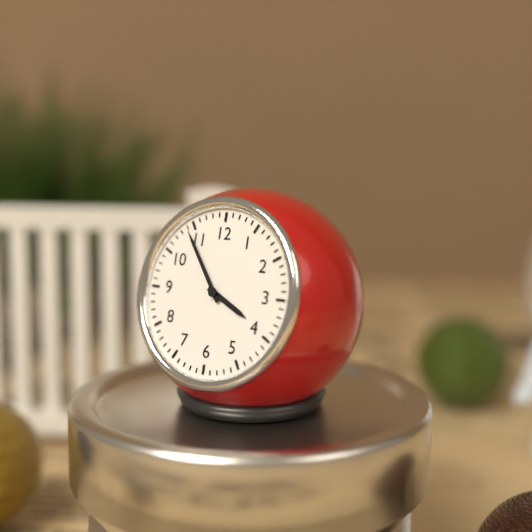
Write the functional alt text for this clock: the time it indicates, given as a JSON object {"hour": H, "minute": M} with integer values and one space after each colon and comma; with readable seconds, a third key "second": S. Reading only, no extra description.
{"hour": 3, "minute": 54}
